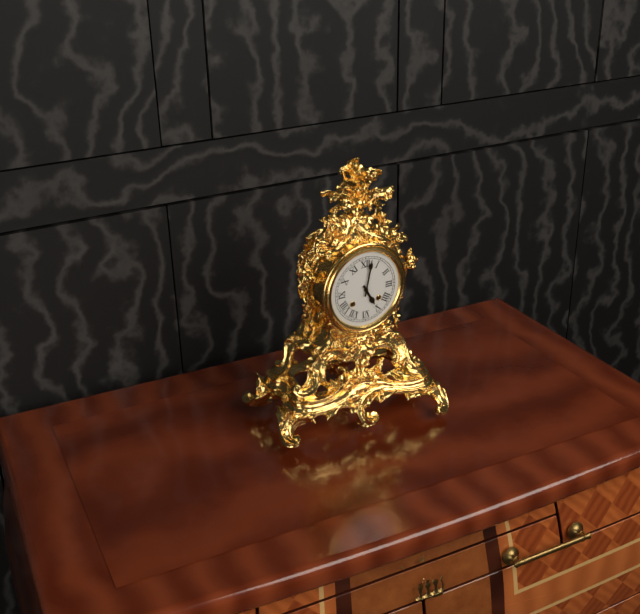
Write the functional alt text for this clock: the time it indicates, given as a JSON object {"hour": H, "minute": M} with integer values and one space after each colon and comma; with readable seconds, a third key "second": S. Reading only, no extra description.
{"hour": 5, "minute": 2}
